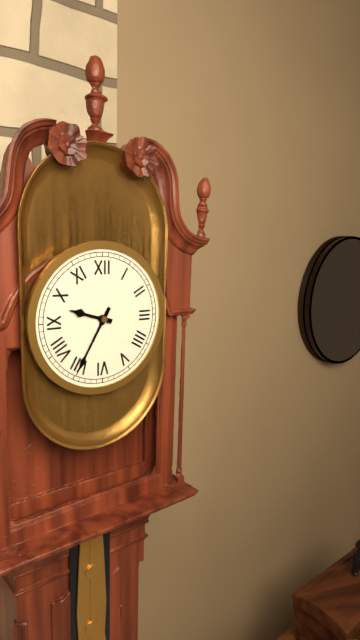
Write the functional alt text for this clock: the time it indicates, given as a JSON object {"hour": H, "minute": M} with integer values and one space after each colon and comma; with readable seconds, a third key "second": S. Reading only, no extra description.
{"hour": 9, "minute": 35}
